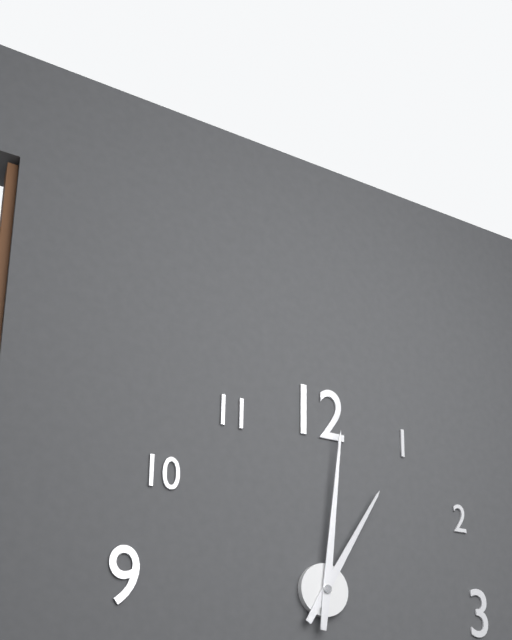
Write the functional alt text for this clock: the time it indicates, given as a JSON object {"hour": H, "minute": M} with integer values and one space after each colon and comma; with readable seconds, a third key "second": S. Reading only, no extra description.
{"hour": 1, "minute": 1}
